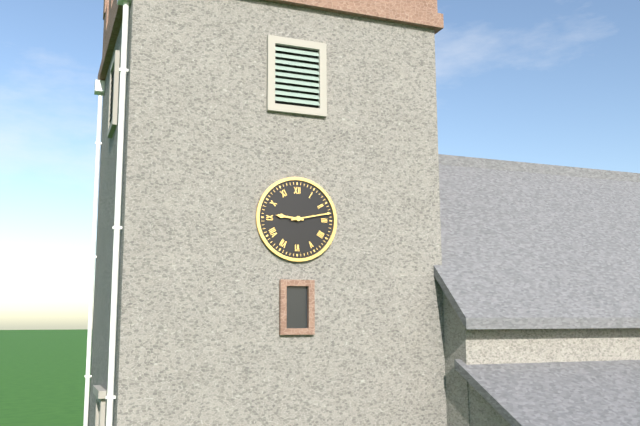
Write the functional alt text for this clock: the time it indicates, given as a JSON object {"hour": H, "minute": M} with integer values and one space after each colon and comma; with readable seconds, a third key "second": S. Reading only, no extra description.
{"hour": 9, "minute": 13}
